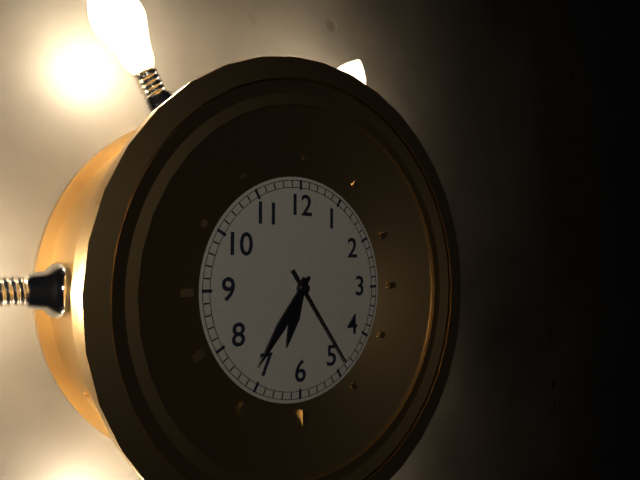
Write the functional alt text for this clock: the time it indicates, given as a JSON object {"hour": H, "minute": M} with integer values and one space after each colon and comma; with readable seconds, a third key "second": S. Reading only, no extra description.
{"hour": 6, "minute": 36, "second": 24}
